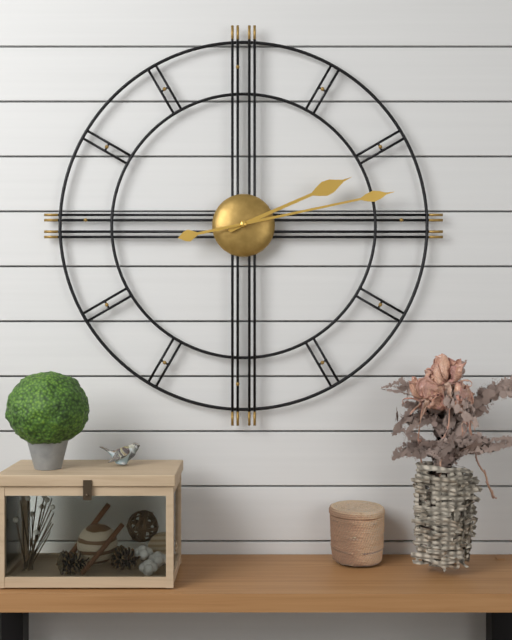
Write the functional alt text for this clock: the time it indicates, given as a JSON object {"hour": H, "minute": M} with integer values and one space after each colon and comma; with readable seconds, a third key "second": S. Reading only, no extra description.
{"hour": 2, "minute": 13}
